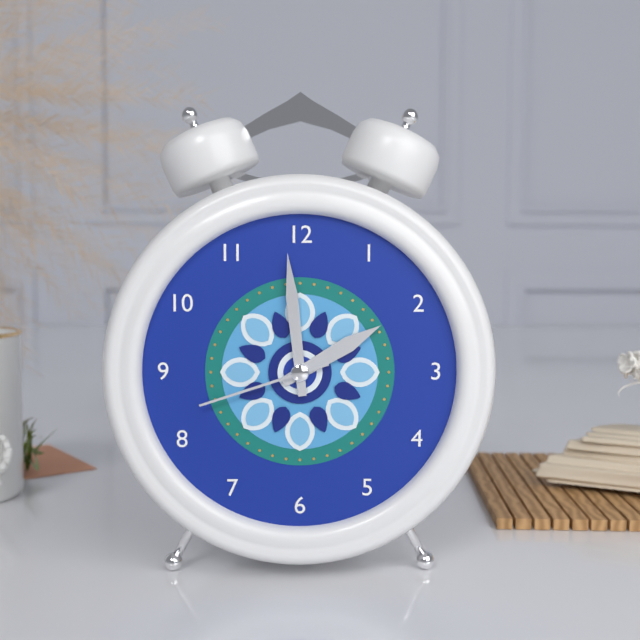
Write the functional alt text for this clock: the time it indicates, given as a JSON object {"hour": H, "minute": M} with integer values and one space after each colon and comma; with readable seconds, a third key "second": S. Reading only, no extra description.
{"hour": 1, "minute": 59, "second": 42}
